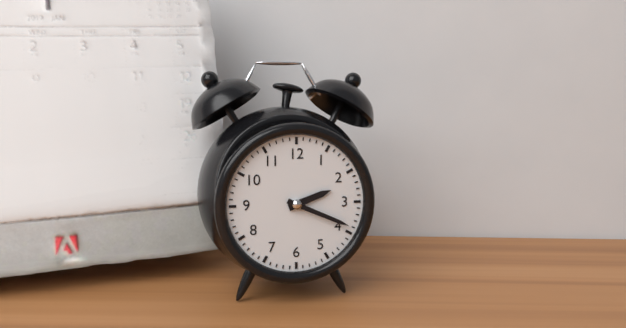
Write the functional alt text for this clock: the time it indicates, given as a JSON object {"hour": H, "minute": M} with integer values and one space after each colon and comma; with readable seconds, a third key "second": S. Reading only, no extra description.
{"hour": 2, "minute": 19}
